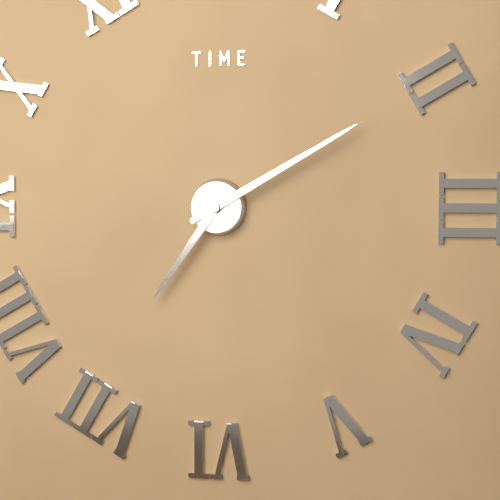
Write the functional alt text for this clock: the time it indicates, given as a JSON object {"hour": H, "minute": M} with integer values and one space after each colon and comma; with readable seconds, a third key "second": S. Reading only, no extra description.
{"hour": 7, "minute": 10}
